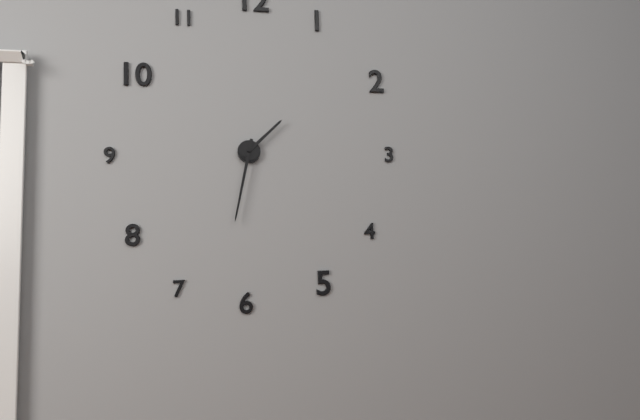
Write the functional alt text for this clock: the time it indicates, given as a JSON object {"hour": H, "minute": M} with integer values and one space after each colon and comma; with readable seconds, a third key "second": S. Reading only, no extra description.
{"hour": 1, "minute": 32}
